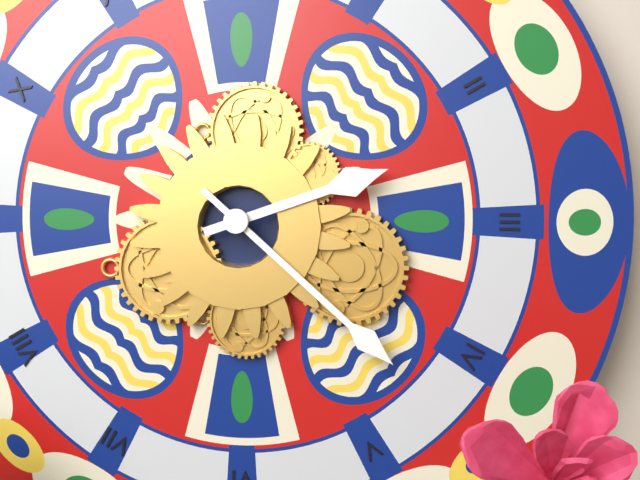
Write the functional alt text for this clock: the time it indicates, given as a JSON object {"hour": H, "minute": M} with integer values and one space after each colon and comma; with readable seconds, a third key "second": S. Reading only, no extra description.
{"hour": 2, "minute": 22}
